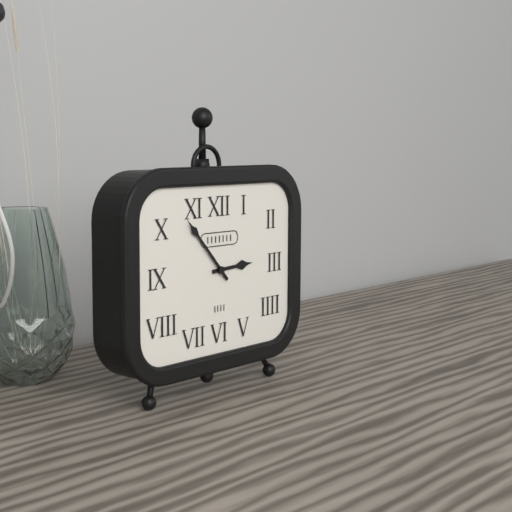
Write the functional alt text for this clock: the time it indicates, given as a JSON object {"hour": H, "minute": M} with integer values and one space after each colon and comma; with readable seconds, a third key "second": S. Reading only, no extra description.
{"hour": 2, "minute": 53}
